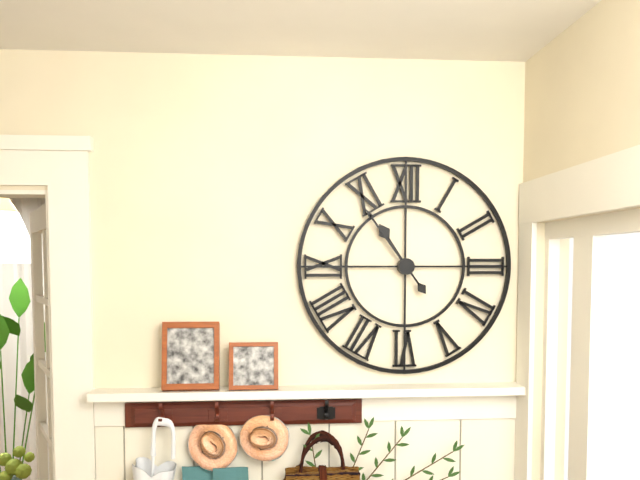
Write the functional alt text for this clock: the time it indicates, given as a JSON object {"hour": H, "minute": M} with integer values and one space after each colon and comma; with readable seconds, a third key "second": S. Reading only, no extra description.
{"hour": 10, "minute": 54}
